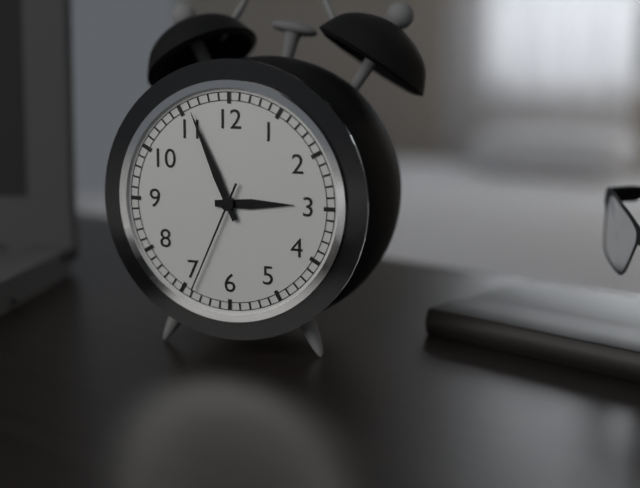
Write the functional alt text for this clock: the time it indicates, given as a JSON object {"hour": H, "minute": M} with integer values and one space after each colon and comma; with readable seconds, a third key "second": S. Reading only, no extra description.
{"hour": 2, "minute": 56, "second": 34}
